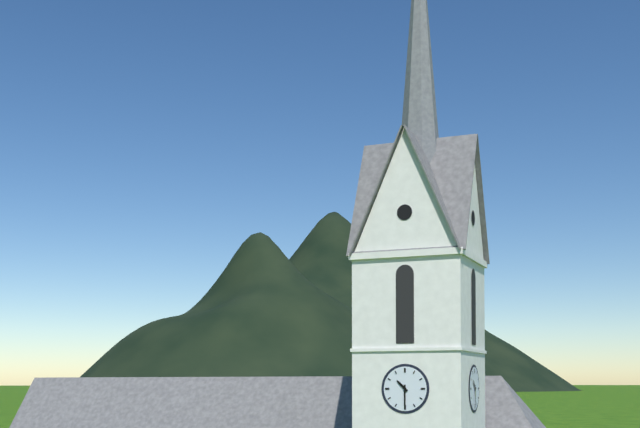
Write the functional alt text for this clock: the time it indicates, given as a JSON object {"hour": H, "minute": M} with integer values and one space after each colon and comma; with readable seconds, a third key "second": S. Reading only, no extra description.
{"hour": 10, "minute": 30}
